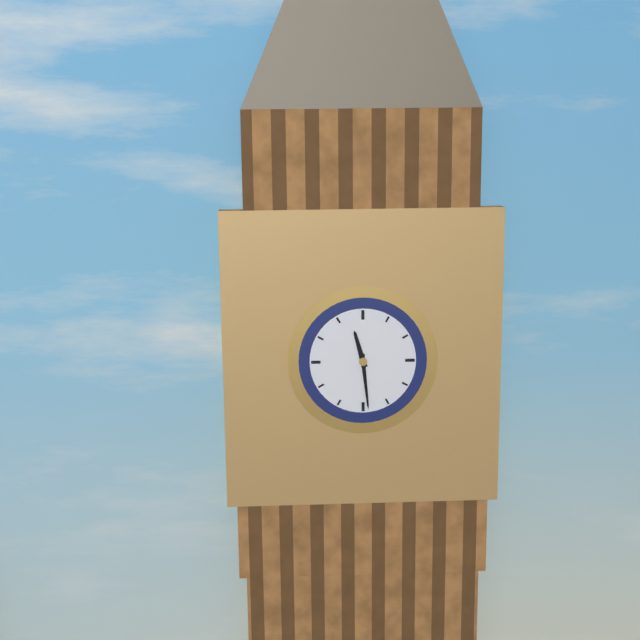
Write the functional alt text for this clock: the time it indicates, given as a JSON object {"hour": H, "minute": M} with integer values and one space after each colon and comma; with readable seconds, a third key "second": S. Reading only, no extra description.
{"hour": 11, "minute": 29}
